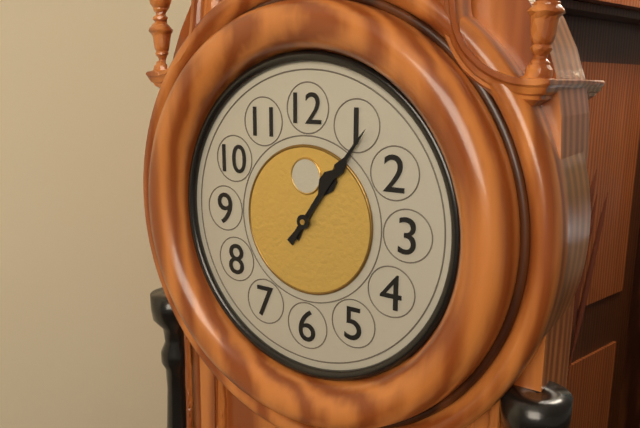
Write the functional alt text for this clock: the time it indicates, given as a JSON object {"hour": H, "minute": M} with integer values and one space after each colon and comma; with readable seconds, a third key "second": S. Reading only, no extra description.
{"hour": 1, "minute": 6}
